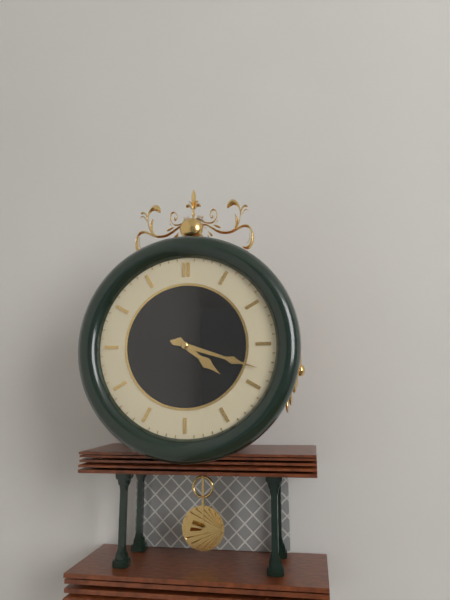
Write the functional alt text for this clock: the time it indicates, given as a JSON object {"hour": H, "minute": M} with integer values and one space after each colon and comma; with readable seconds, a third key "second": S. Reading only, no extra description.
{"hour": 4, "minute": 18}
